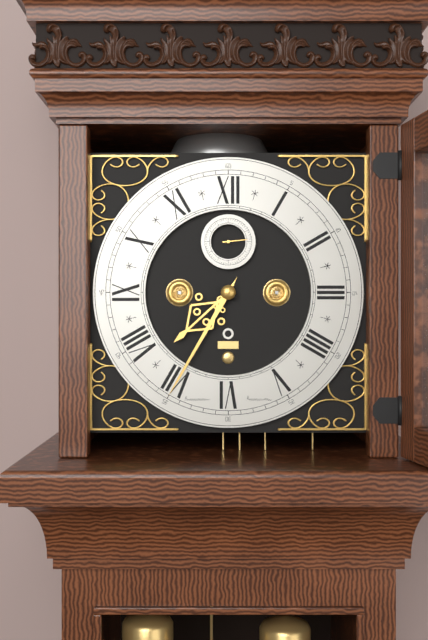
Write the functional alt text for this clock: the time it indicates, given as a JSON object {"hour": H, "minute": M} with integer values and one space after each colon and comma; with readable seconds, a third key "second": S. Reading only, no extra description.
{"hour": 7, "minute": 35}
